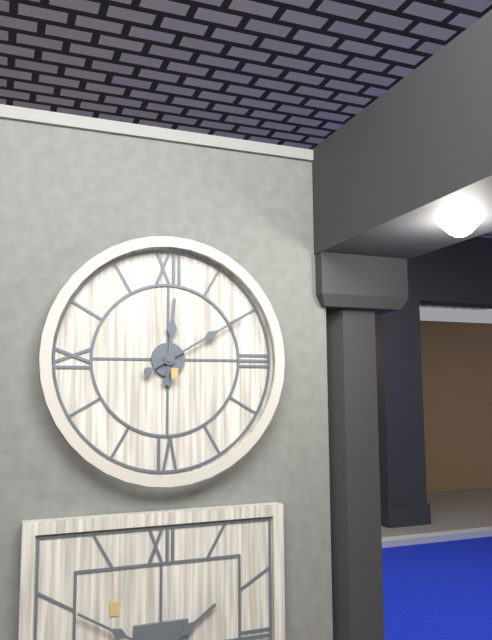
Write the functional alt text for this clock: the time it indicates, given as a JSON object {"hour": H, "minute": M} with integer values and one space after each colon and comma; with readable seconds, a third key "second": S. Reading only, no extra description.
{"hour": 12, "minute": 10}
